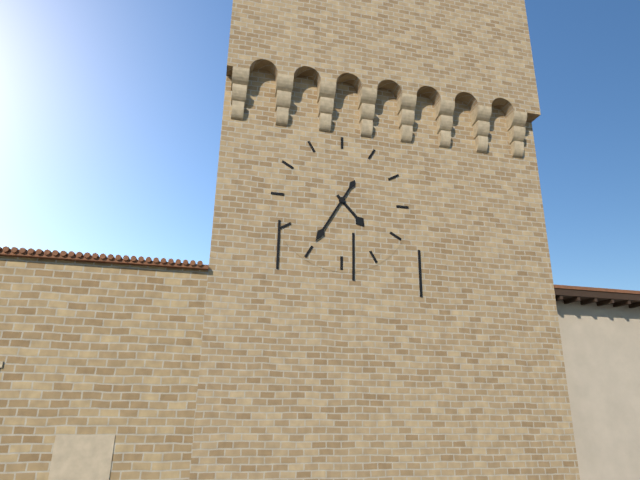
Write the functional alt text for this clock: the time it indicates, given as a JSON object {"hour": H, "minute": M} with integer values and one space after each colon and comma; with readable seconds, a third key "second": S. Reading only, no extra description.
{"hour": 4, "minute": 35}
